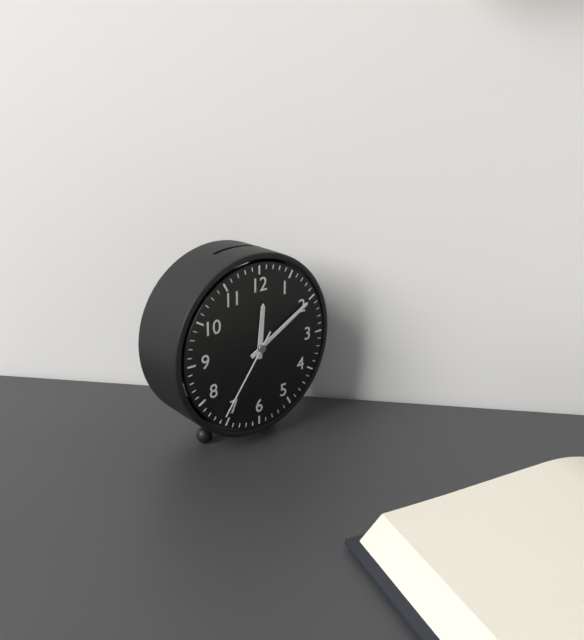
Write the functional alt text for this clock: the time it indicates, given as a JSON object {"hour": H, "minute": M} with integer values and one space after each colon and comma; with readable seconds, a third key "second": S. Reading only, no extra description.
{"hour": 12, "minute": 10, "second": 36}
